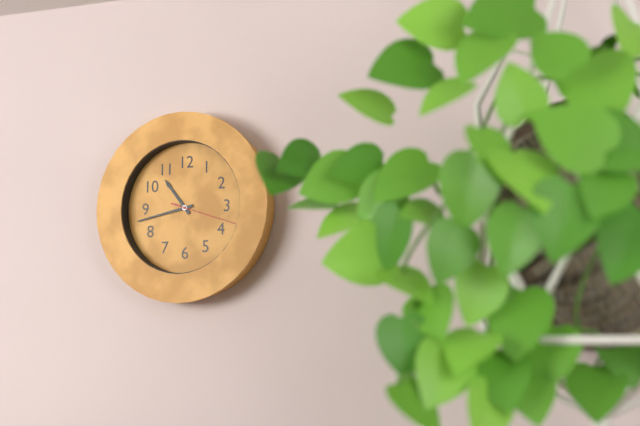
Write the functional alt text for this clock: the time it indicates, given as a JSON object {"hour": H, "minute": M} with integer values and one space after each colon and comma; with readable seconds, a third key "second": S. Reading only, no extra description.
{"hour": 10, "minute": 43, "second": 18}
